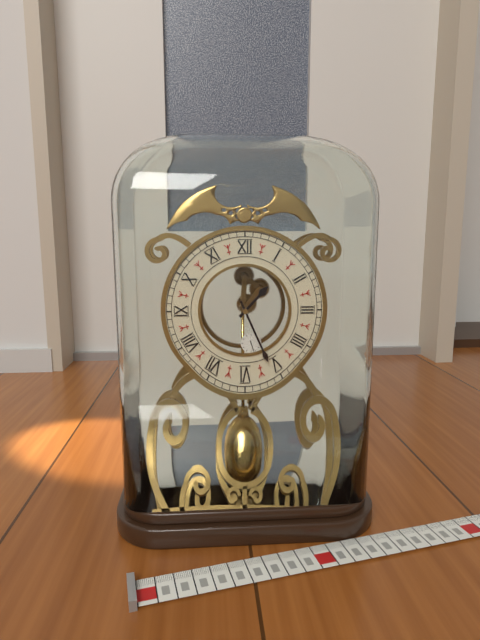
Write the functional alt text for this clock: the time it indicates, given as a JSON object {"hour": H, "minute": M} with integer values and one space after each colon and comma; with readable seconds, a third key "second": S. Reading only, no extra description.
{"hour": 1, "minute": 26}
